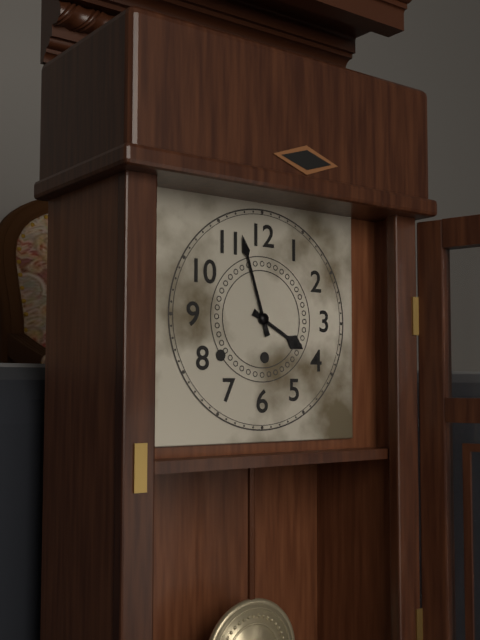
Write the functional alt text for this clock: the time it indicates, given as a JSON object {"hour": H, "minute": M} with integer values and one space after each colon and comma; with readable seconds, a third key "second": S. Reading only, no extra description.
{"hour": 3, "minute": 57}
